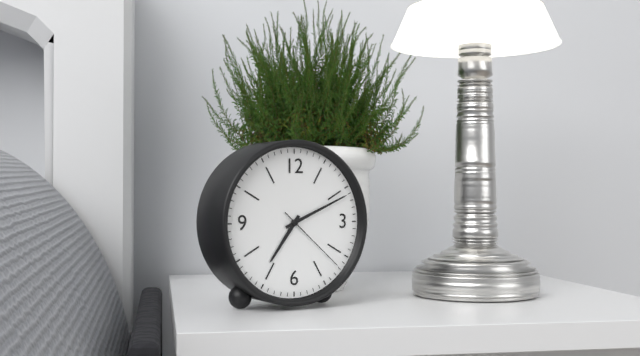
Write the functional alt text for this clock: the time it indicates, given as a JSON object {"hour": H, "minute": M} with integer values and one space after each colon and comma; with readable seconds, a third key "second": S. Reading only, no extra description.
{"hour": 7, "minute": 11, "second": 22}
